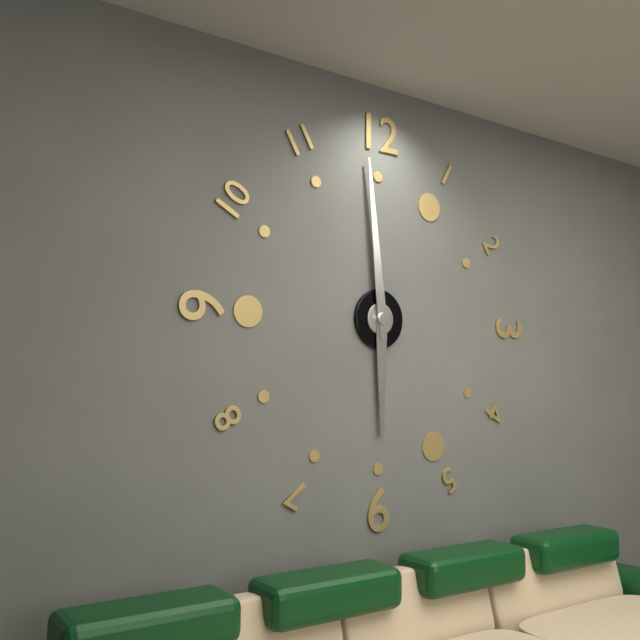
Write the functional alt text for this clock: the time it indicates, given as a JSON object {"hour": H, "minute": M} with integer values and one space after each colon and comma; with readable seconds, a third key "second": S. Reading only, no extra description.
{"hour": 5, "minute": 59}
